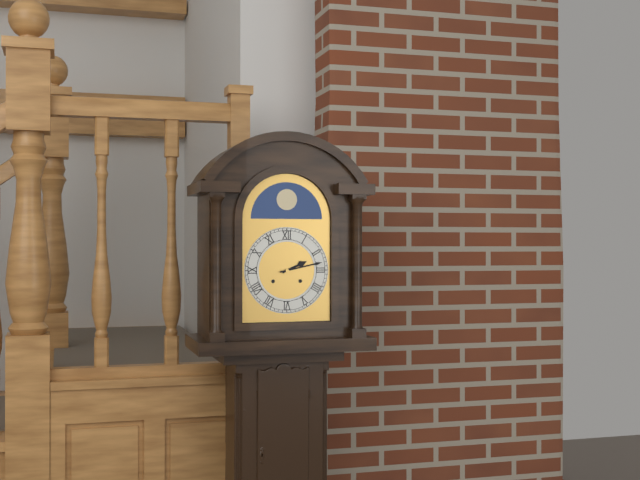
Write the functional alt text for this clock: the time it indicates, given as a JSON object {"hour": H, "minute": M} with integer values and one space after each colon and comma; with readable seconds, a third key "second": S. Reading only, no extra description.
{"hour": 2, "minute": 13}
